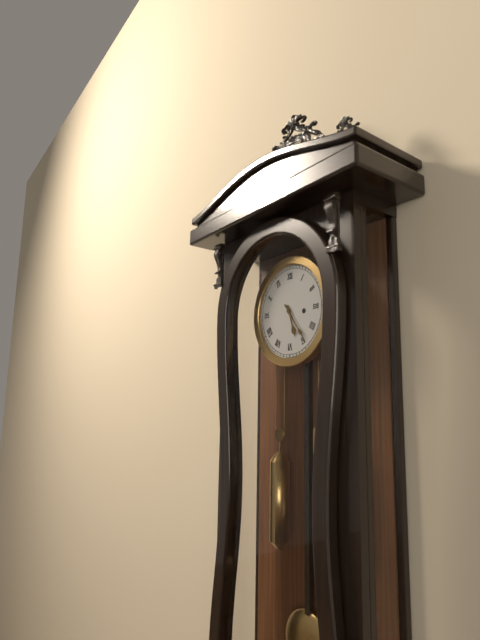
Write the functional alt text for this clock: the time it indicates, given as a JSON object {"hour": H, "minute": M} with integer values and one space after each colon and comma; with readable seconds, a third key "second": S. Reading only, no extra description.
{"hour": 5, "minute": 24}
